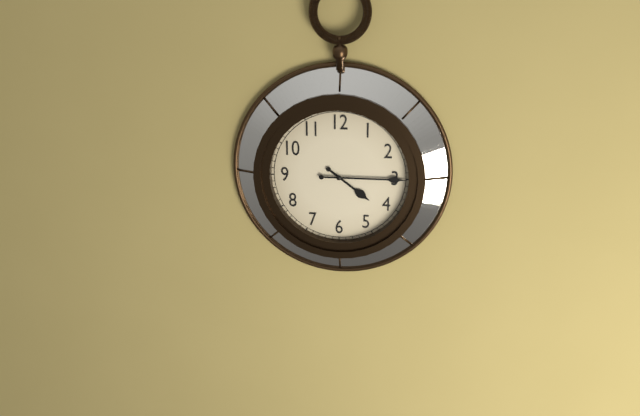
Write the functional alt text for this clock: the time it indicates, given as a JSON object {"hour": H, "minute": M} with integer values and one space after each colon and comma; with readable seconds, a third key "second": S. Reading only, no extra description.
{"hour": 4, "minute": 15}
